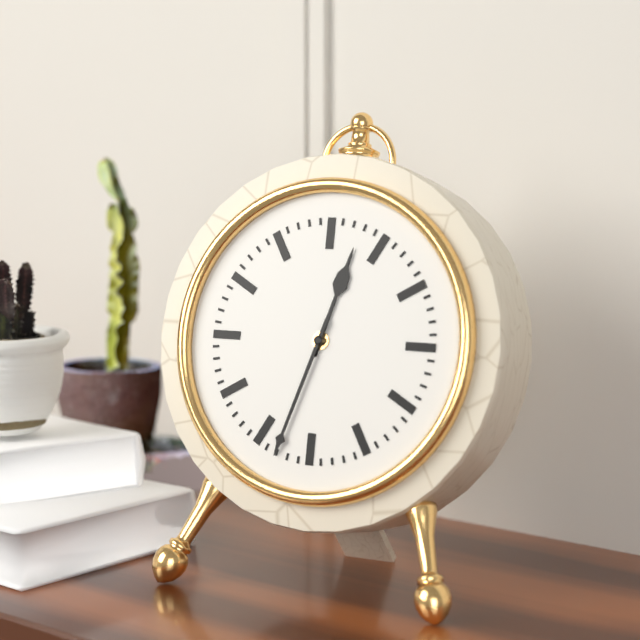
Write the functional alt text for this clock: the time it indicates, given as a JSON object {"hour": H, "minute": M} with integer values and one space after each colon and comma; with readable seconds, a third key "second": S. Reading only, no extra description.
{"hour": 12, "minute": 33}
